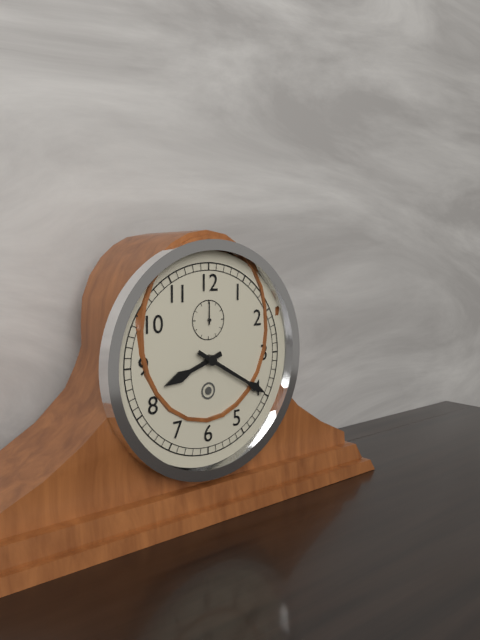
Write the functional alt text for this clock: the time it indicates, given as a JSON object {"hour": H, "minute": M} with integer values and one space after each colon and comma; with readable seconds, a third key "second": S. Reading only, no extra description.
{"hour": 8, "minute": 20}
